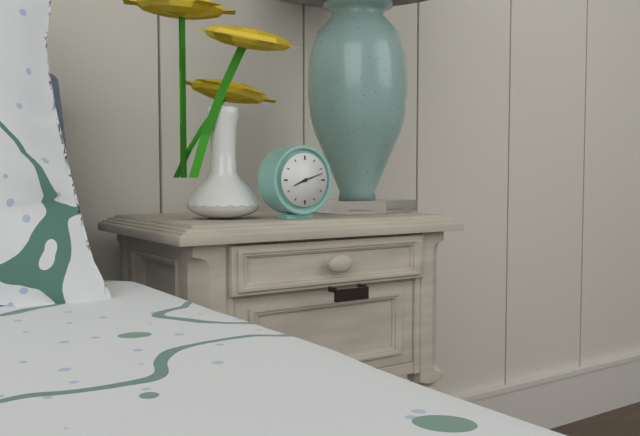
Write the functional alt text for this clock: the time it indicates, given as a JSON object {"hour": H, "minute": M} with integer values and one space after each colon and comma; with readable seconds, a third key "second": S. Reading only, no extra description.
{"hour": 8, "minute": 12}
